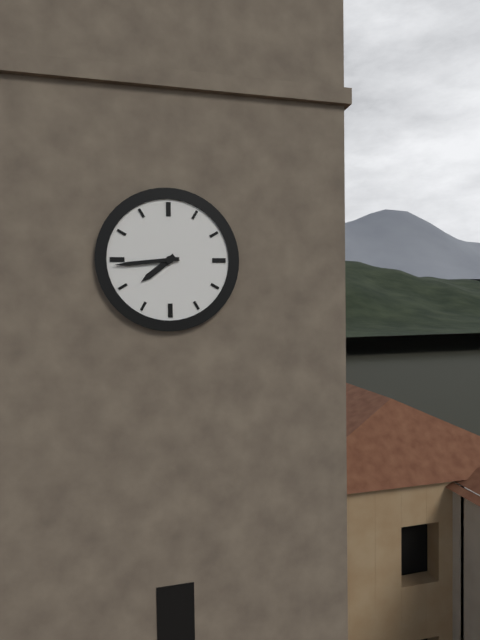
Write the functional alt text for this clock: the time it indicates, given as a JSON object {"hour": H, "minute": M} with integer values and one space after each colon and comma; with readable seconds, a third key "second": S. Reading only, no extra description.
{"hour": 7, "minute": 44}
